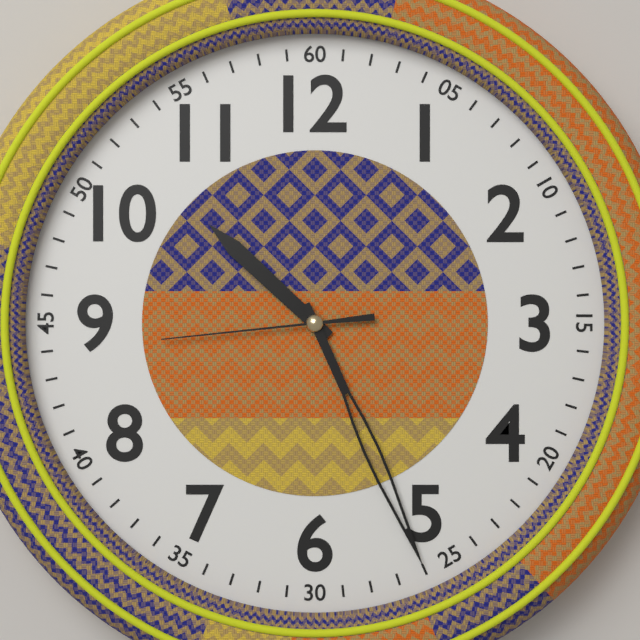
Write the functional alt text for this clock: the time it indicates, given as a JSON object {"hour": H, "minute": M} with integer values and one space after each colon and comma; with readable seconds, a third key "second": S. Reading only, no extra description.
{"hour": 10, "minute": 26, "second": 44}
